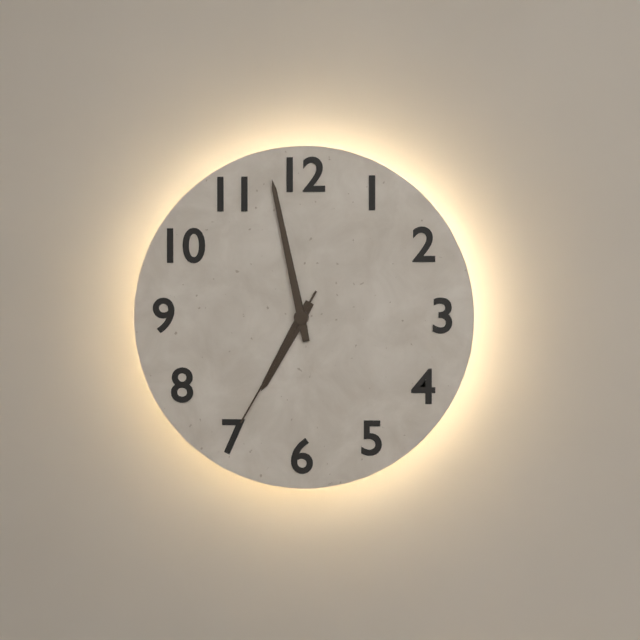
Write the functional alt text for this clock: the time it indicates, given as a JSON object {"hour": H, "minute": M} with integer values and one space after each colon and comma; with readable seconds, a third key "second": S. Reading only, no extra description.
{"hour": 6, "minute": 58, "second": 35}
